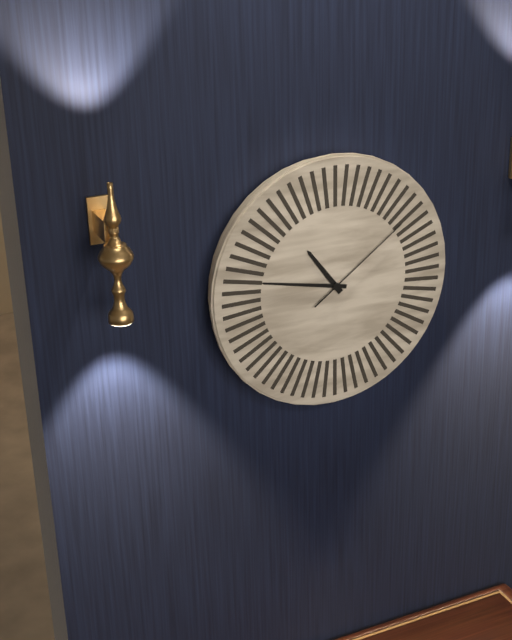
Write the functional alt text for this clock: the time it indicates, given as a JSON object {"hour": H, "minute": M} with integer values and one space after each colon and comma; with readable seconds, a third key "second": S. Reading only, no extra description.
{"hour": 10, "minute": 47, "second": 9}
